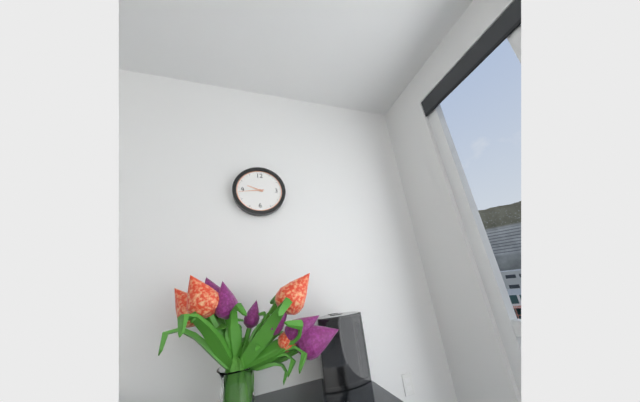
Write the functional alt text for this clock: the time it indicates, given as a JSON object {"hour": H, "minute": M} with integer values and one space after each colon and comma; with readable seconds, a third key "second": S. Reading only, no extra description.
{"hour": 9, "minute": 44}
